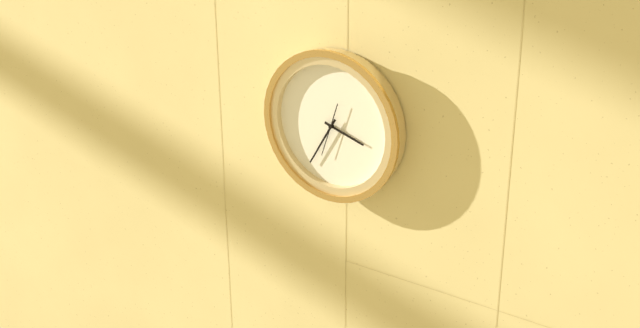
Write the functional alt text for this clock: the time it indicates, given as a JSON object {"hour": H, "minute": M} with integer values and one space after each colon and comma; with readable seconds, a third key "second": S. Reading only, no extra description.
{"hour": 3, "minute": 35}
